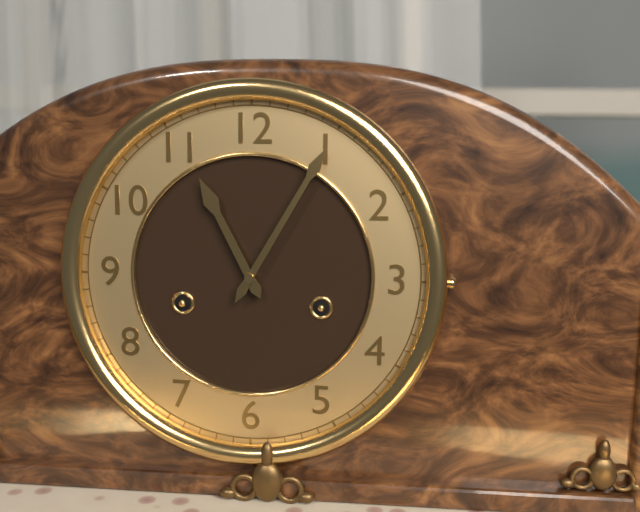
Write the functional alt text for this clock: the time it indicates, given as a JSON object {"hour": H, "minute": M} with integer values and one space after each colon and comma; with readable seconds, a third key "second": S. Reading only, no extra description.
{"hour": 11, "minute": 5}
